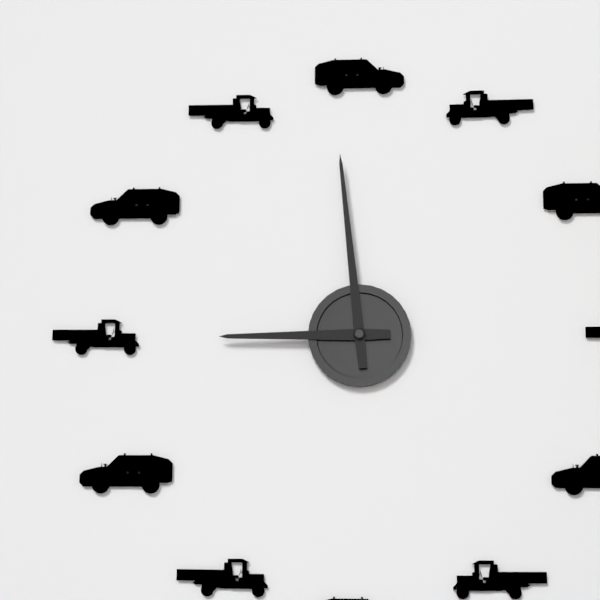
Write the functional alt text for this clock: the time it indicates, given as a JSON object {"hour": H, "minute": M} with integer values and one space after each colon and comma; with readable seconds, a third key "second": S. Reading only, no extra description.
{"hour": 8, "minute": 59}
